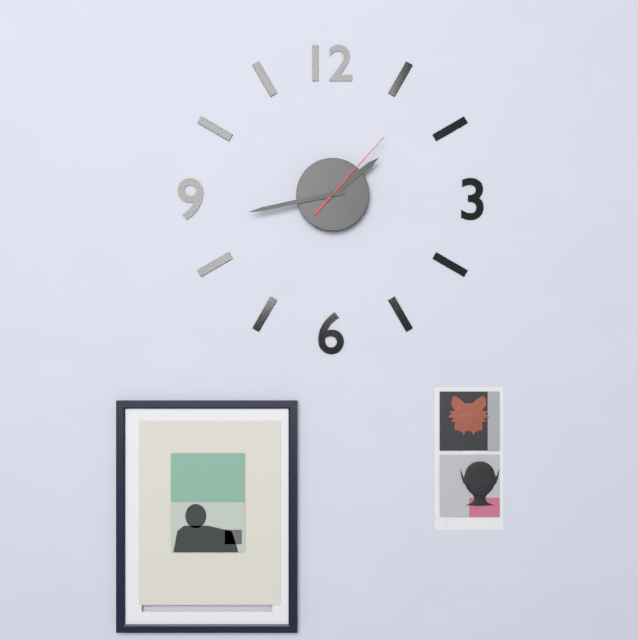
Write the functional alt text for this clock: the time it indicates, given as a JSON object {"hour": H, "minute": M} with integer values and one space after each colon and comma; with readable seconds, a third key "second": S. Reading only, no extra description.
{"hour": 1, "minute": 43, "second": 7}
